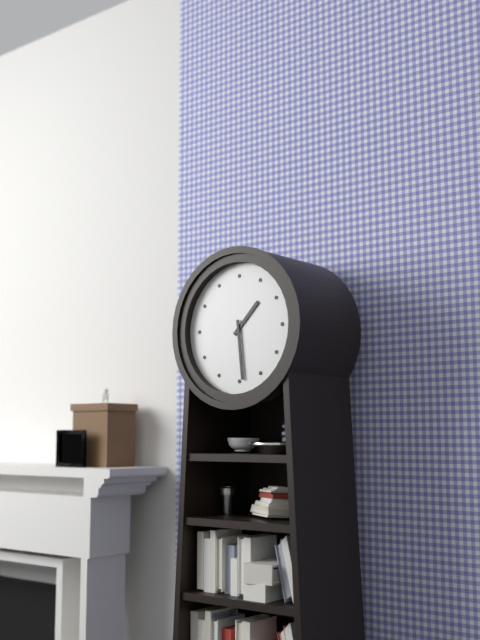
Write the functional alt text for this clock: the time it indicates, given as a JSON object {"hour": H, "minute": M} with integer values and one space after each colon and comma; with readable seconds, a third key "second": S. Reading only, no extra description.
{"hour": 1, "minute": 29}
